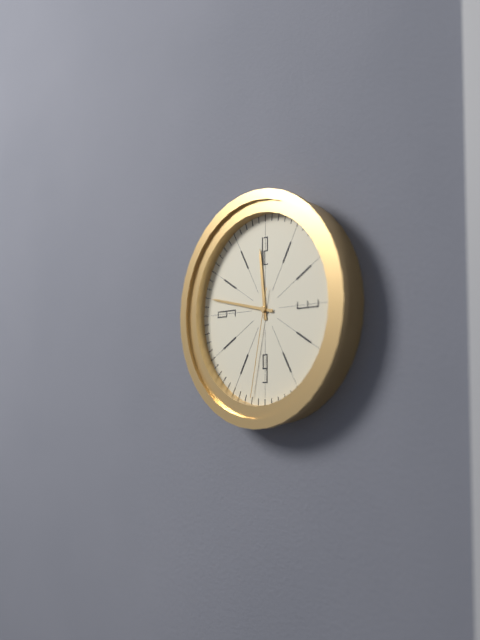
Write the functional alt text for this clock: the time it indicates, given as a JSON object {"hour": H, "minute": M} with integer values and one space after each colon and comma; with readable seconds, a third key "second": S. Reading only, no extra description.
{"hour": 11, "minute": 47, "second": 32}
